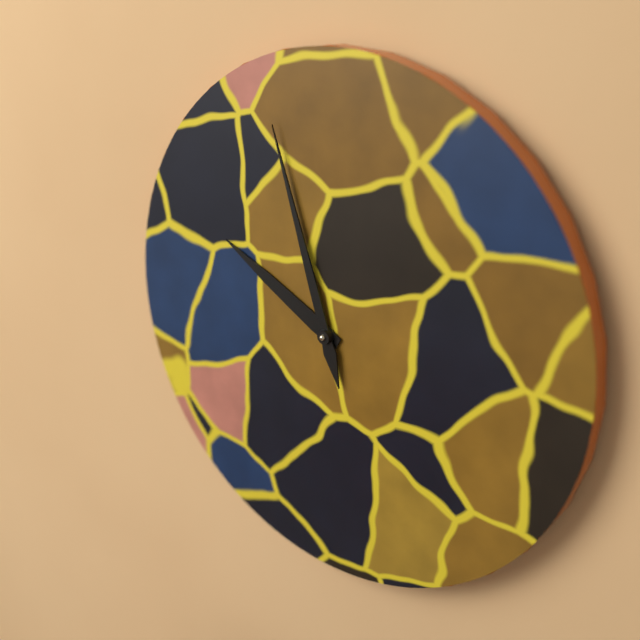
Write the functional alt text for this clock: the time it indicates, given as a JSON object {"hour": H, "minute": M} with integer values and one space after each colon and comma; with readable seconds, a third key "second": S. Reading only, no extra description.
{"hour": 9, "minute": 57}
